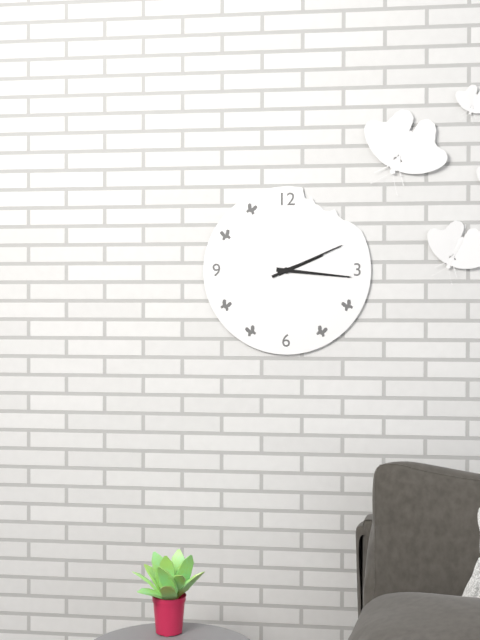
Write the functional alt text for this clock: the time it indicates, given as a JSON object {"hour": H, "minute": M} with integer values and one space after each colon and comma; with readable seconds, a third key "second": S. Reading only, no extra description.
{"hour": 2, "minute": 16, "second": 11}
